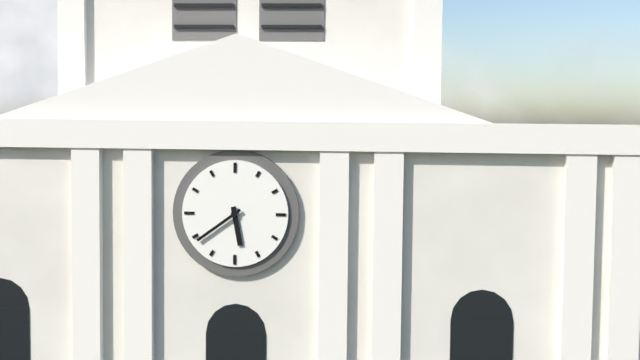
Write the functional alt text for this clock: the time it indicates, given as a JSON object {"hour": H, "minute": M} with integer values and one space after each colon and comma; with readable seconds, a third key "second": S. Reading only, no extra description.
{"hour": 5, "minute": 39}
